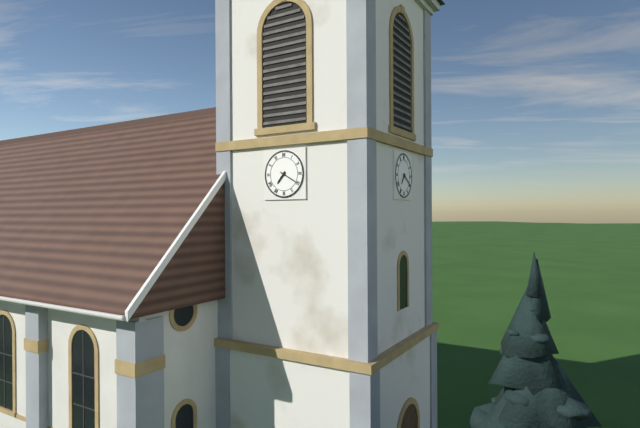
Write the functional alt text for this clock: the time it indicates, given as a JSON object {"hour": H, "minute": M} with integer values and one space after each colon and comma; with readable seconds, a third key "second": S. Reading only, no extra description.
{"hour": 7, "minute": 20}
